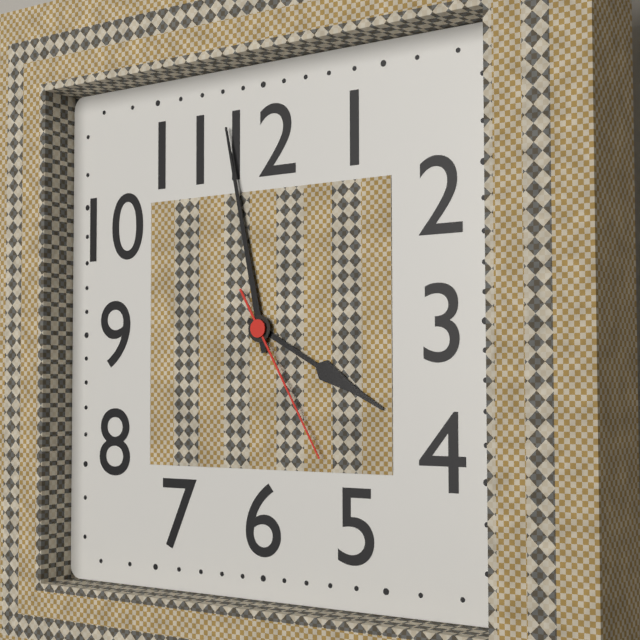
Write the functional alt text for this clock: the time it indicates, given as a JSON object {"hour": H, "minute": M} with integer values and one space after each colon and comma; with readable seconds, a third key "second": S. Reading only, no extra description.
{"hour": 3, "minute": 58, "second": 25}
